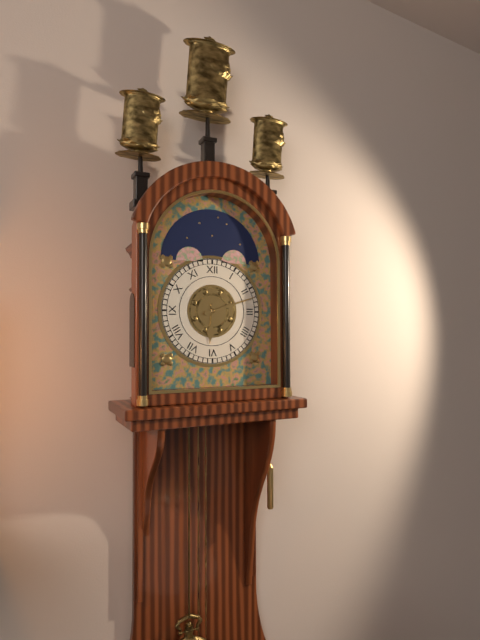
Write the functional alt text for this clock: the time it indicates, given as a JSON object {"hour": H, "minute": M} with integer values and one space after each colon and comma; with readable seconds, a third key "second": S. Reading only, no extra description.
{"hour": 6, "minute": 12}
